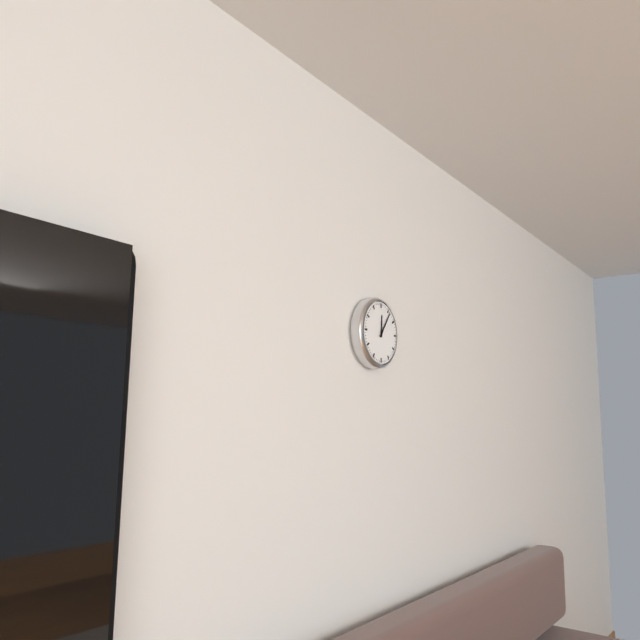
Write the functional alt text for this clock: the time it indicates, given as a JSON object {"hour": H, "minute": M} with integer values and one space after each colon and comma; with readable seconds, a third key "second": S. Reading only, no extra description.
{"hour": 12, "minute": 6}
